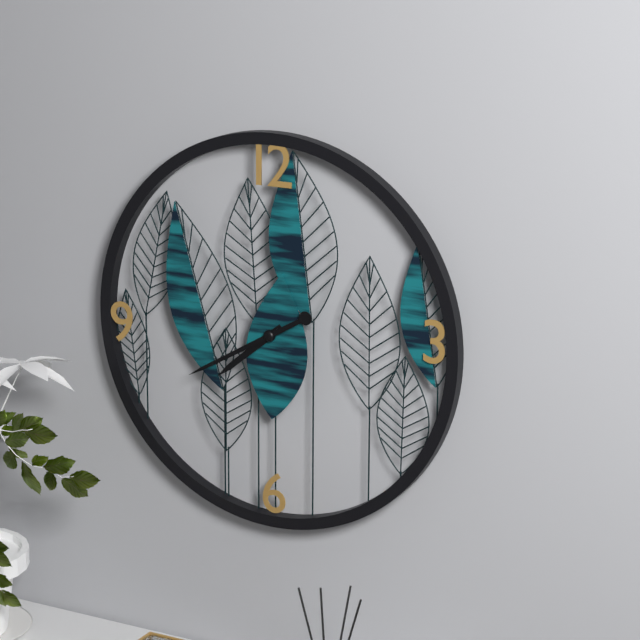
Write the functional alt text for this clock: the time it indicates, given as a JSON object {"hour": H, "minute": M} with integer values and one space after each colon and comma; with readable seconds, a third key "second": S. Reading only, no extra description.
{"hour": 7, "minute": 40}
